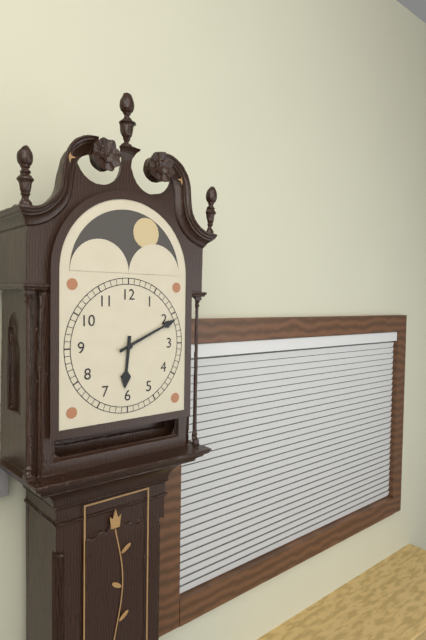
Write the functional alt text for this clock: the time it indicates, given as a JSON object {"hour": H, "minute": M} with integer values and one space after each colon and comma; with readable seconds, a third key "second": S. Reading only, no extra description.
{"hour": 6, "minute": 11}
